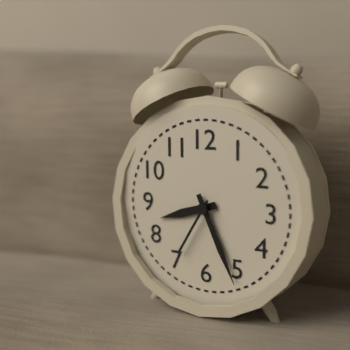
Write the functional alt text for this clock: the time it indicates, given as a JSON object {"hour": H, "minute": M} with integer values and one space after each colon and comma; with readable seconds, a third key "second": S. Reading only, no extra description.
{"hour": 8, "minute": 26, "second": 35}
